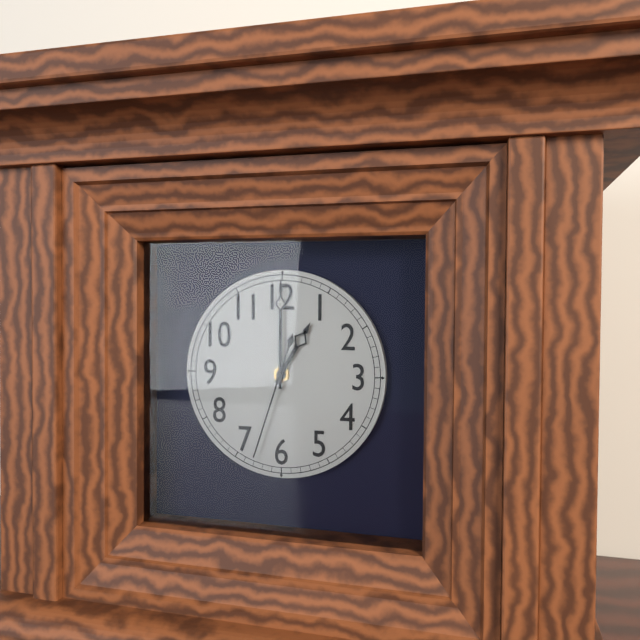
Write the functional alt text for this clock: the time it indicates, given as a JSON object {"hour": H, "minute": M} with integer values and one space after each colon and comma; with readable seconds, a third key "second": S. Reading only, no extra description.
{"hour": 1, "minute": 0, "second": 33}
